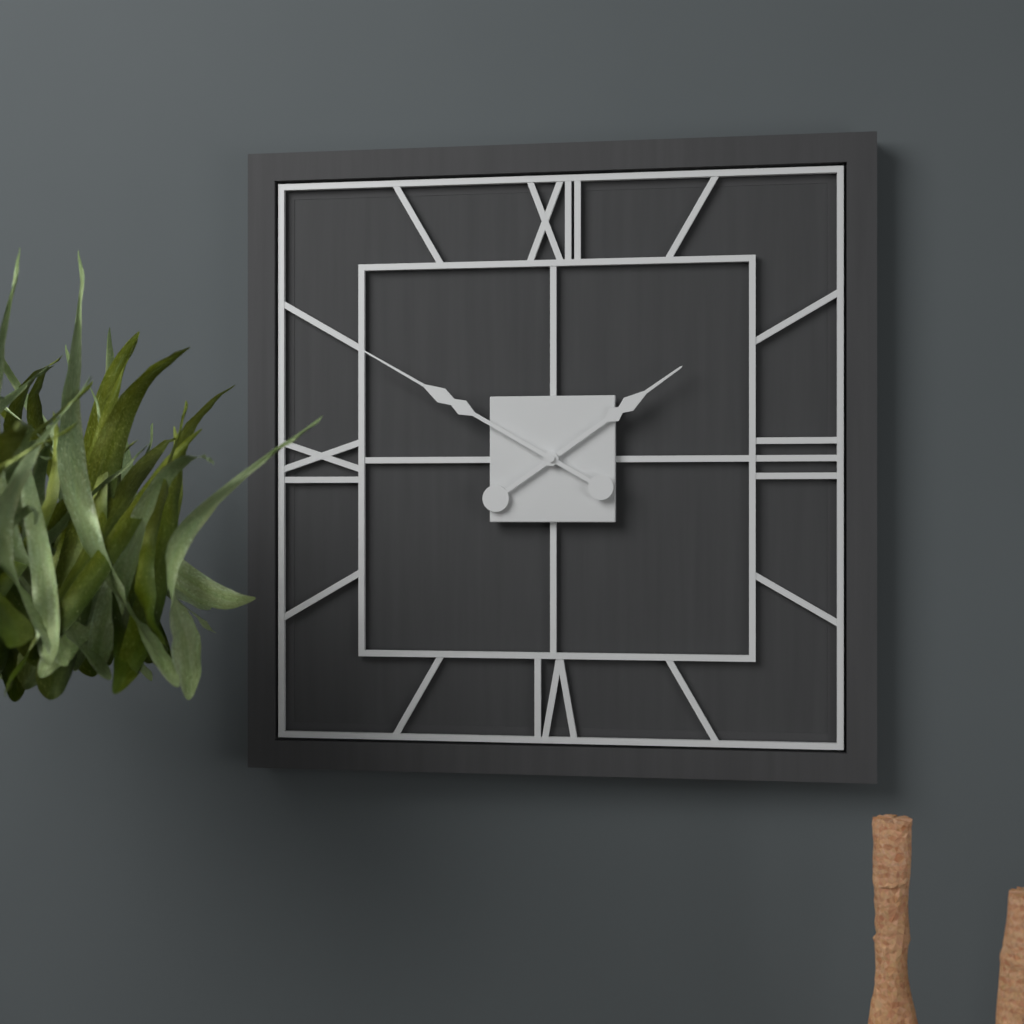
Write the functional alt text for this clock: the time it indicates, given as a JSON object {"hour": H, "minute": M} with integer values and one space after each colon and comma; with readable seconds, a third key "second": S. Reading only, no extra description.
{"hour": 1, "minute": 50}
